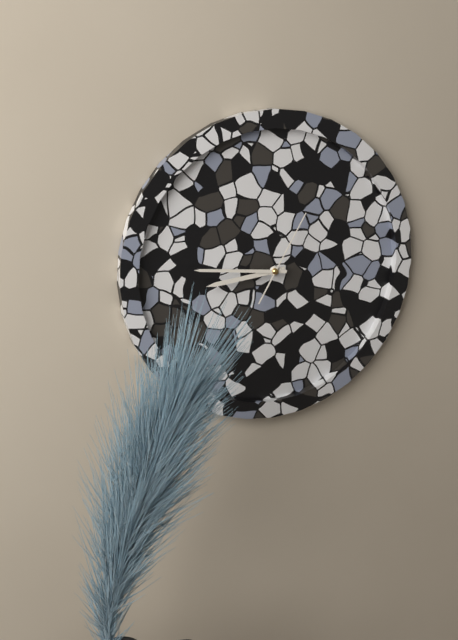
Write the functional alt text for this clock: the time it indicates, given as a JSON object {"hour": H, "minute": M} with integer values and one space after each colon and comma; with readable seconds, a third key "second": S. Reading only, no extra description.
{"hour": 8, "minute": 46, "second": 5}
